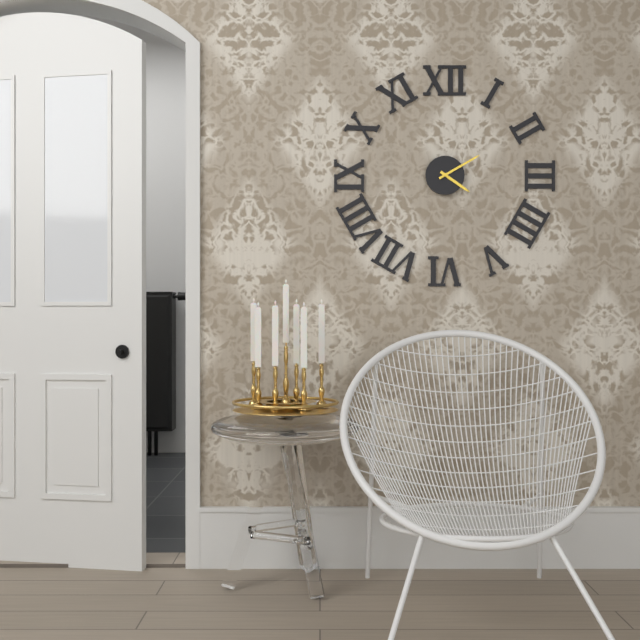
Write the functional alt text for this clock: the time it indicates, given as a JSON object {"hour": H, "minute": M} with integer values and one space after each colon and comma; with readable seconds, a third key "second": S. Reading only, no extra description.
{"hour": 4, "minute": 10}
